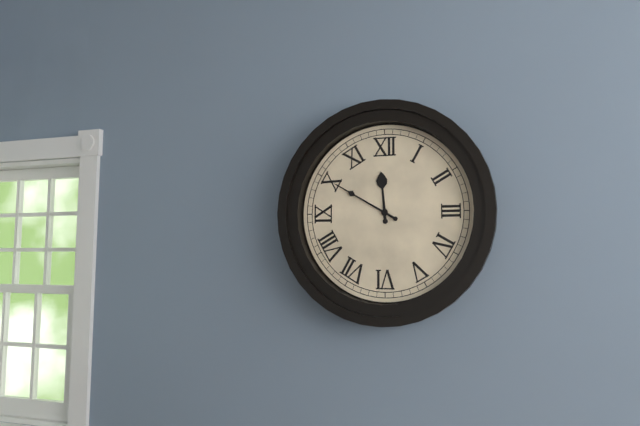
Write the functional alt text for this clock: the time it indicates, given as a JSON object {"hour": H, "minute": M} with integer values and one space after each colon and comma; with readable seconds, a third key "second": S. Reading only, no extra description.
{"hour": 11, "minute": 50}
